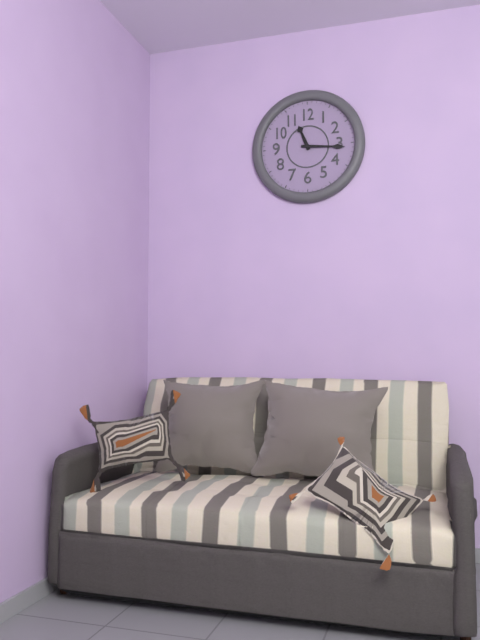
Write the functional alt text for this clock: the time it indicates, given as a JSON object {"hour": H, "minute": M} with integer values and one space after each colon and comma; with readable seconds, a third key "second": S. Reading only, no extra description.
{"hour": 11, "minute": 16}
